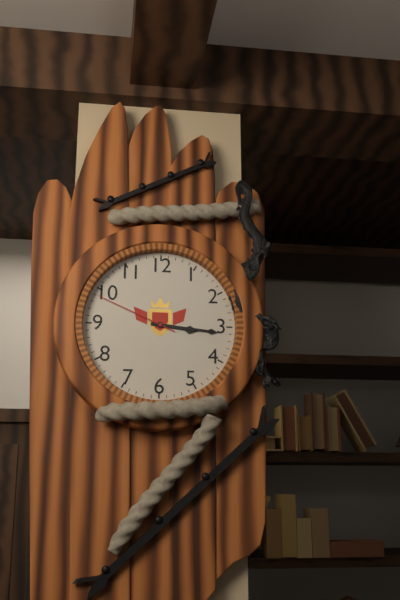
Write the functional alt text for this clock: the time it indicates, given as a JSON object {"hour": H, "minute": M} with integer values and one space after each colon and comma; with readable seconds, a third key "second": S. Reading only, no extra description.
{"hour": 3, "minute": 16, "second": 49}
